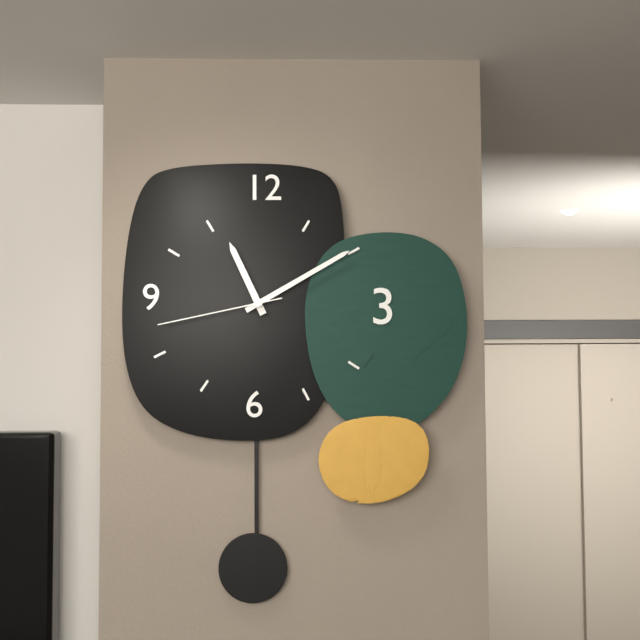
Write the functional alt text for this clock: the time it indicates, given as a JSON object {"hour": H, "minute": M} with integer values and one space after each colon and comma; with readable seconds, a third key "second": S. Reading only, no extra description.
{"hour": 11, "minute": 10, "second": 43}
